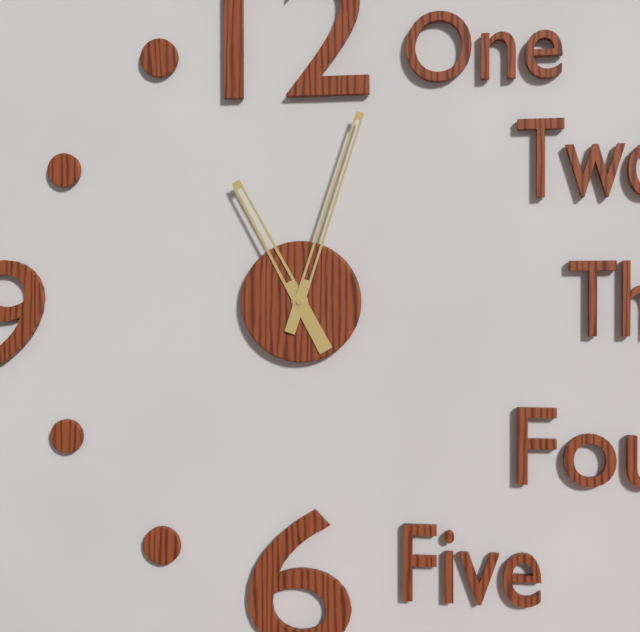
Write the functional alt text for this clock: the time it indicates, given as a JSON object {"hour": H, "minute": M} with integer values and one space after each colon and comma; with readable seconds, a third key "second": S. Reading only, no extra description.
{"hour": 11, "minute": 3}
